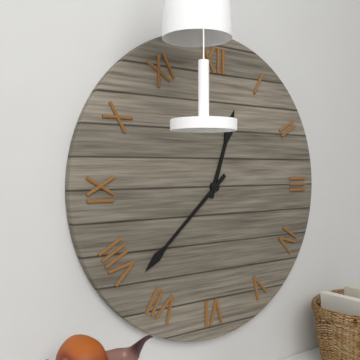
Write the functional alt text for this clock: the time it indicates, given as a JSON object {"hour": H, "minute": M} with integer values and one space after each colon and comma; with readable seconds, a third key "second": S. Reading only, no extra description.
{"hour": 12, "minute": 38}
